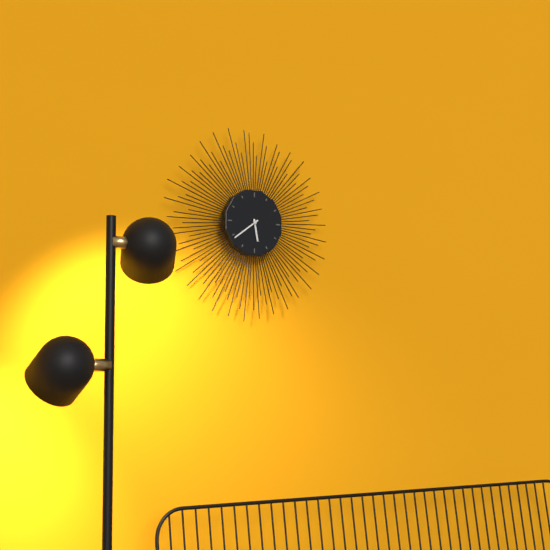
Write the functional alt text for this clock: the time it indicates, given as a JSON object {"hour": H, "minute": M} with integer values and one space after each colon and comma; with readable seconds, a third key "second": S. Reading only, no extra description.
{"hour": 5, "minute": 39}
